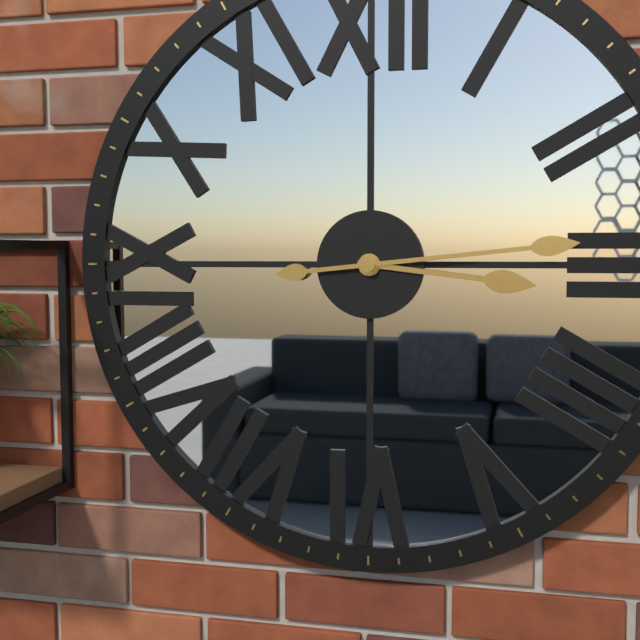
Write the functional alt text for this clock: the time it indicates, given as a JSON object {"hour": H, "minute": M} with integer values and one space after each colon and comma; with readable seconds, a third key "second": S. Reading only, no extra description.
{"hour": 3, "minute": 14}
